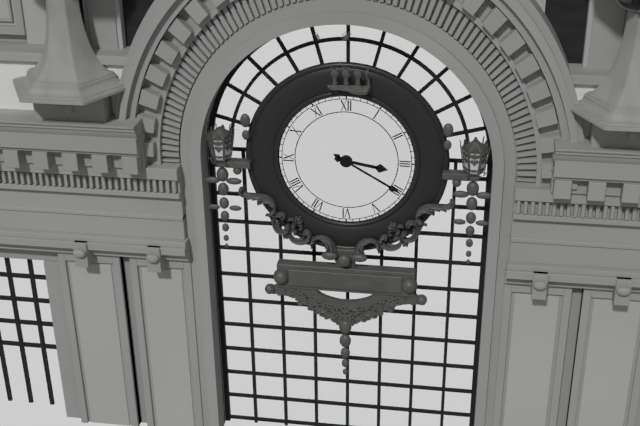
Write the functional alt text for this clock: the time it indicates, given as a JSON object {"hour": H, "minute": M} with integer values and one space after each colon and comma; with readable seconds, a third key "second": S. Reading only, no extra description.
{"hour": 3, "minute": 20}
